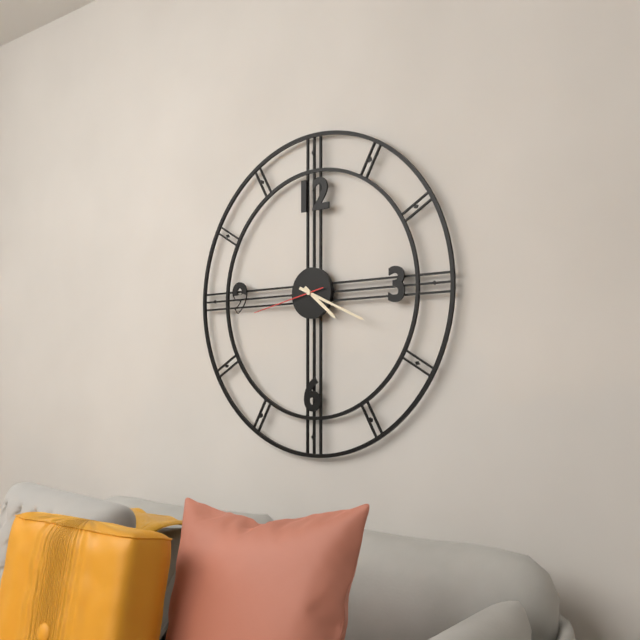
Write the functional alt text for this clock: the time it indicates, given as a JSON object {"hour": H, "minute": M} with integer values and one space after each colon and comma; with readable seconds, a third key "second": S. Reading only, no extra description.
{"hour": 4, "minute": 19, "second": 43}
